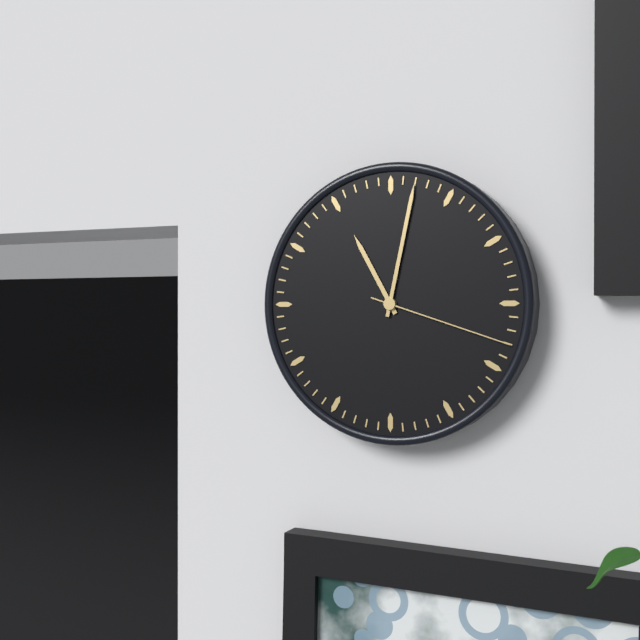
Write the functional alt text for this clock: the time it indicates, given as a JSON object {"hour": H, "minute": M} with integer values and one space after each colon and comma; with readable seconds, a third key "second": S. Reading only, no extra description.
{"hour": 11, "minute": 2, "second": 18}
